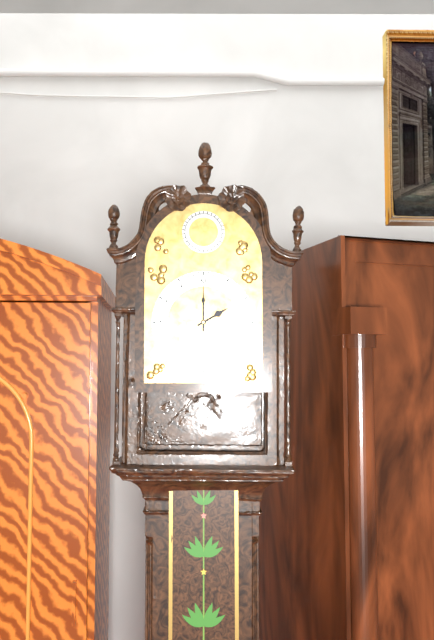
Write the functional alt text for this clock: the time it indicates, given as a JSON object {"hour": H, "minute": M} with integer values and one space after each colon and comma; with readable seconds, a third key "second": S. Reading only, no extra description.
{"hour": 2, "minute": 0}
